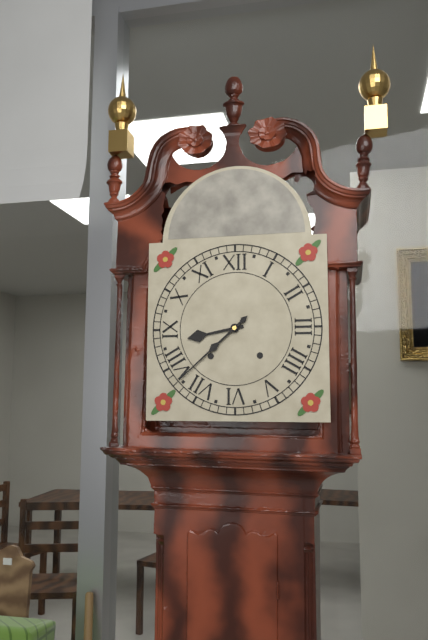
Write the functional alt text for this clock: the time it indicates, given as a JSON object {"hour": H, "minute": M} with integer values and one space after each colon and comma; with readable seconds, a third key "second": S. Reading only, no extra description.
{"hour": 8, "minute": 38}
